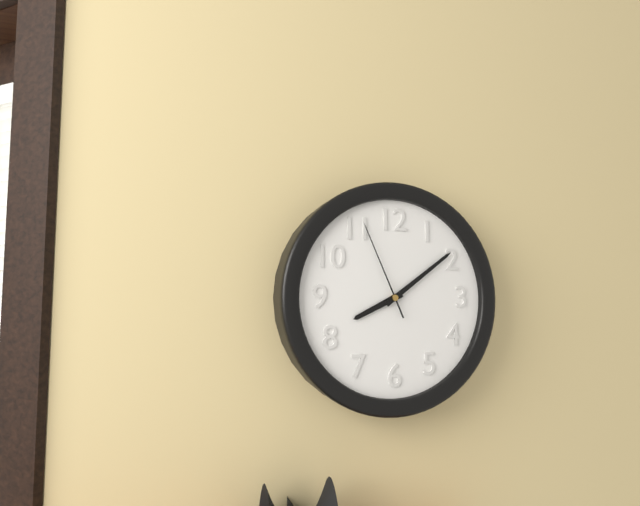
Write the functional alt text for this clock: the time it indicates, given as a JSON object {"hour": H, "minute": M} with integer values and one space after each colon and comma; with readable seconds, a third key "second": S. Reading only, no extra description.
{"hour": 8, "minute": 9, "second": 56}
